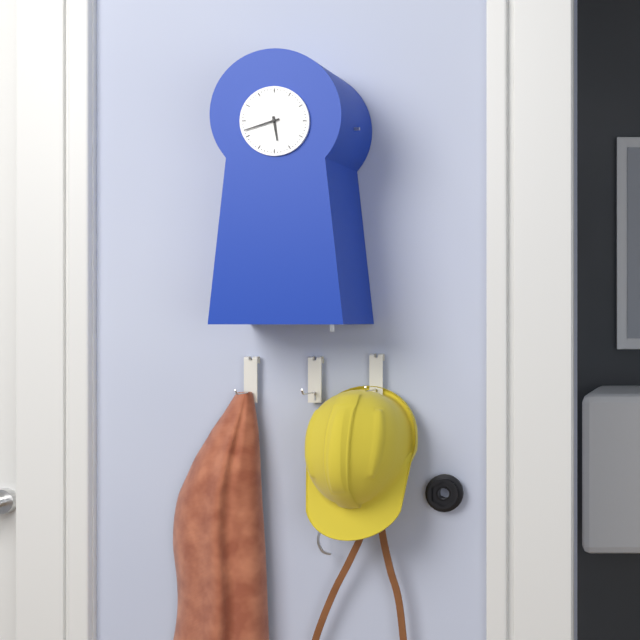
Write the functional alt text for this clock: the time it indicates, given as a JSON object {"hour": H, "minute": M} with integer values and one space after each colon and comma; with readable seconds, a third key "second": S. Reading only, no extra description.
{"hour": 5, "minute": 42}
